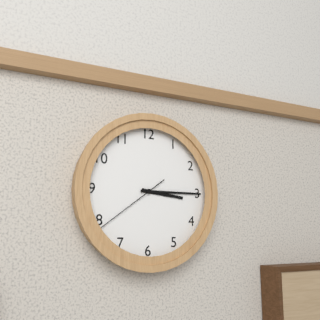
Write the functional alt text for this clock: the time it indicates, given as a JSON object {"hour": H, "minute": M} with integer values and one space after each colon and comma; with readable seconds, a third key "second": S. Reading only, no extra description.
{"hour": 3, "minute": 15, "second": 39}
